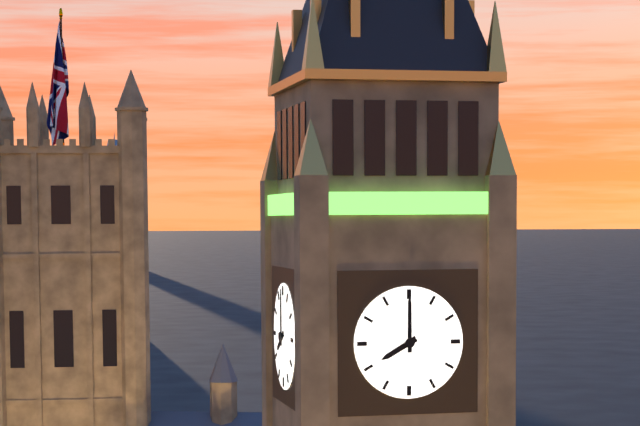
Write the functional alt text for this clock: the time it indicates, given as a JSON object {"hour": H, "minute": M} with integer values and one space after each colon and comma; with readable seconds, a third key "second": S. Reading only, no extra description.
{"hour": 8, "minute": 0}
